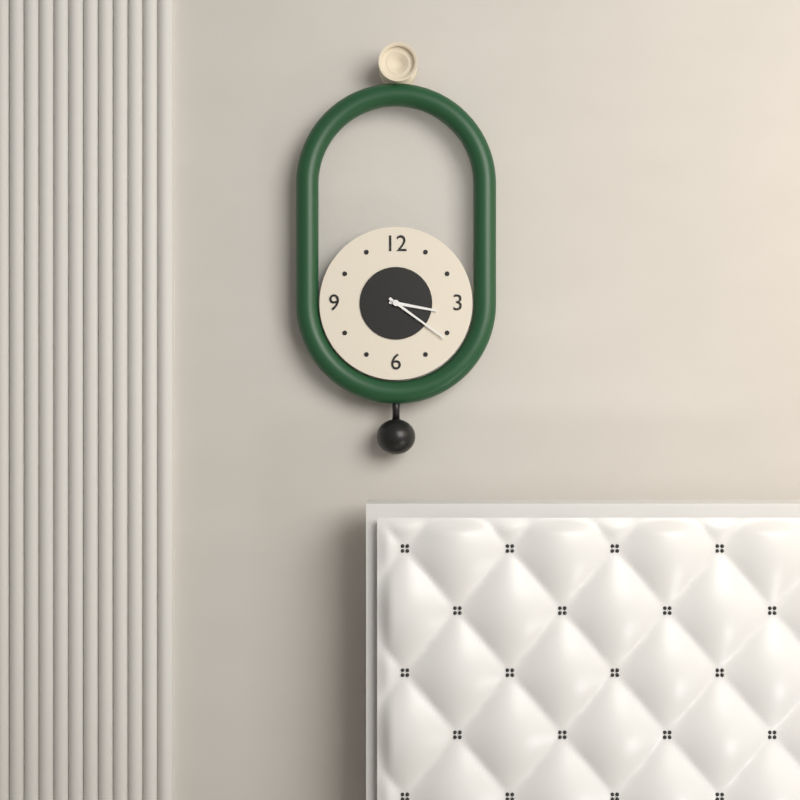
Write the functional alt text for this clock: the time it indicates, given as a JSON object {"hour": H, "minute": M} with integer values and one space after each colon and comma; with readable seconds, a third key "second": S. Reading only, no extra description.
{"hour": 3, "minute": 21}
